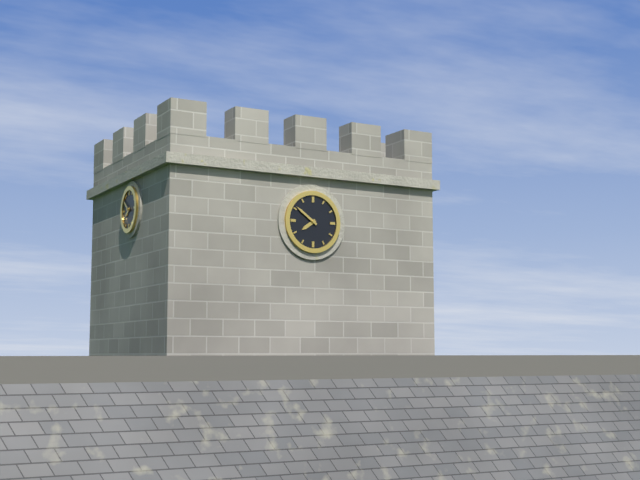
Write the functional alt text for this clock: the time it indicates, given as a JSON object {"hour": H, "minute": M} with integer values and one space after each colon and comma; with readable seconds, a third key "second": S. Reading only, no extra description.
{"hour": 7, "minute": 51}
